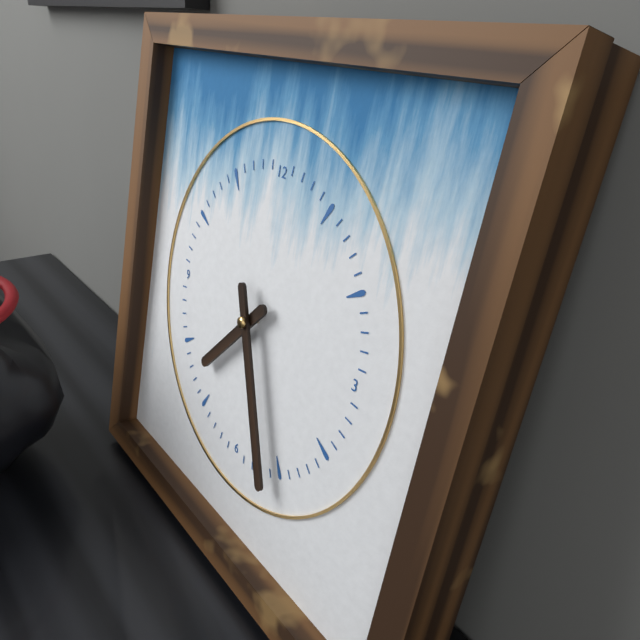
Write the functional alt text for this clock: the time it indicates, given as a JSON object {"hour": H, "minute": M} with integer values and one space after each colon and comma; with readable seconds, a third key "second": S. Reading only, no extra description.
{"hour": 7, "minute": 26}
